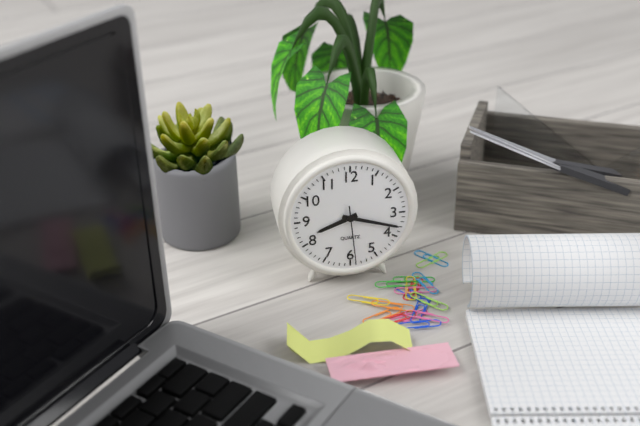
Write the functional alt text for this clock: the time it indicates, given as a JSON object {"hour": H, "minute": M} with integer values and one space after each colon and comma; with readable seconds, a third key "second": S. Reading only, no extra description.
{"hour": 8, "minute": 18, "second": 29}
